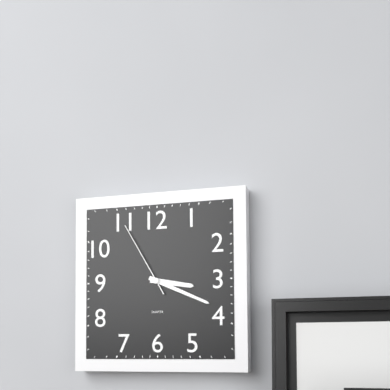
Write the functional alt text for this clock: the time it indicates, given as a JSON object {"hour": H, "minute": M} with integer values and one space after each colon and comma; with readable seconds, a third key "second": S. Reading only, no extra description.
{"hour": 3, "minute": 19, "second": 55}
